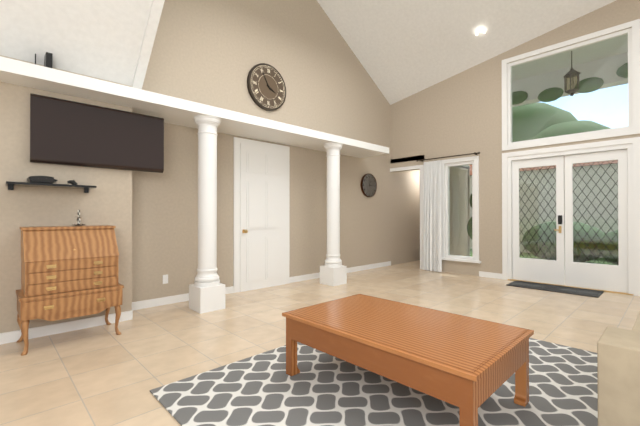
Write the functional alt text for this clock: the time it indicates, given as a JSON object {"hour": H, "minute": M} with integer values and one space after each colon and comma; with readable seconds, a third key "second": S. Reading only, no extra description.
{"hour": 3, "minute": 55}
